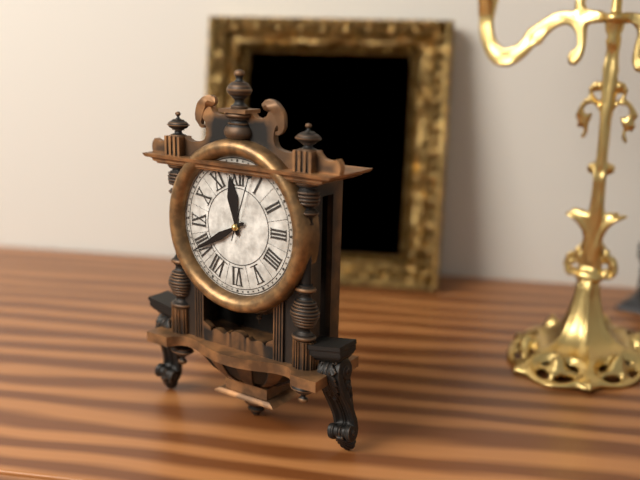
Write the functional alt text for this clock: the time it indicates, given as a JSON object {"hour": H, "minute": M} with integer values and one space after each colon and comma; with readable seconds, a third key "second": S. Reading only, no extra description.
{"hour": 11, "minute": 40, "second": 3}
